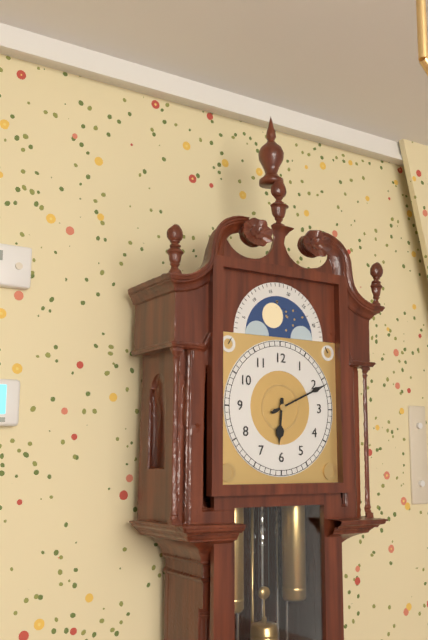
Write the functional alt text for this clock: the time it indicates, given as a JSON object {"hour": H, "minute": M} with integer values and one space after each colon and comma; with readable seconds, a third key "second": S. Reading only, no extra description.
{"hour": 6, "minute": 11}
